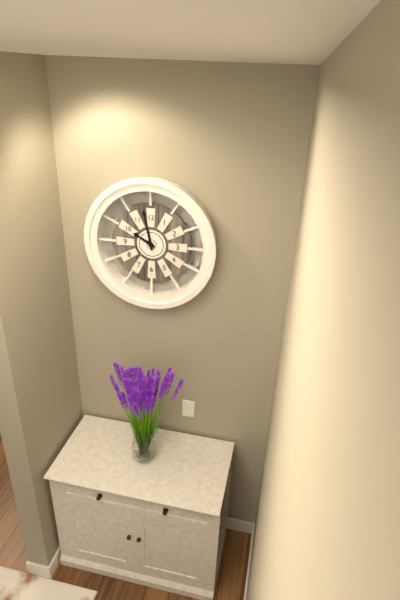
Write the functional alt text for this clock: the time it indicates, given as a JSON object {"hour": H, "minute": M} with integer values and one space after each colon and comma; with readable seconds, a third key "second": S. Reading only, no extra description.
{"hour": 9, "minute": 58}
